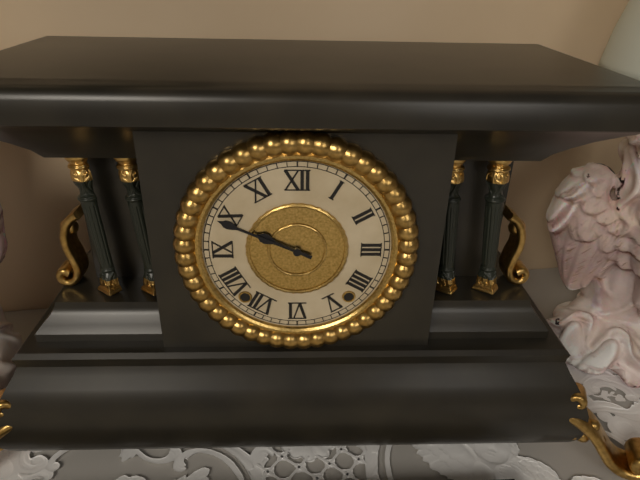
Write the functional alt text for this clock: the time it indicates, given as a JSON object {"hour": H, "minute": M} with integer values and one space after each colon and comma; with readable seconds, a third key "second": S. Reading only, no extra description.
{"hour": 9, "minute": 49}
